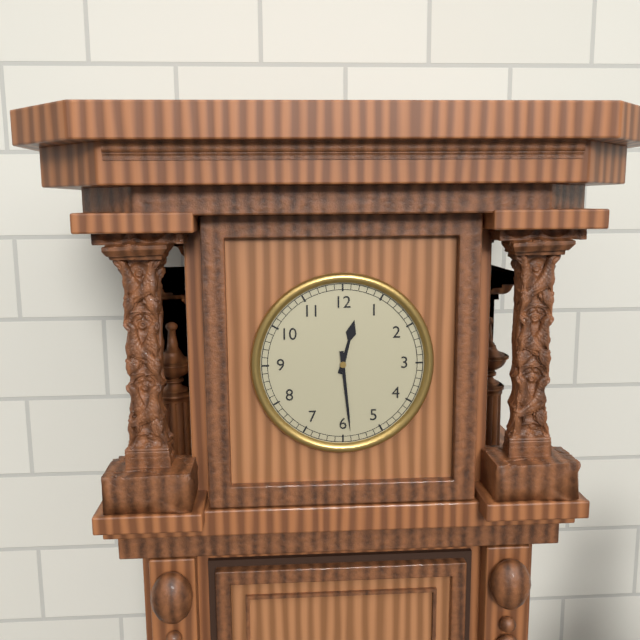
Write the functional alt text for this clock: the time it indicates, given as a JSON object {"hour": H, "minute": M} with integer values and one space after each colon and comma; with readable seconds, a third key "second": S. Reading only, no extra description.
{"hour": 12, "minute": 29}
